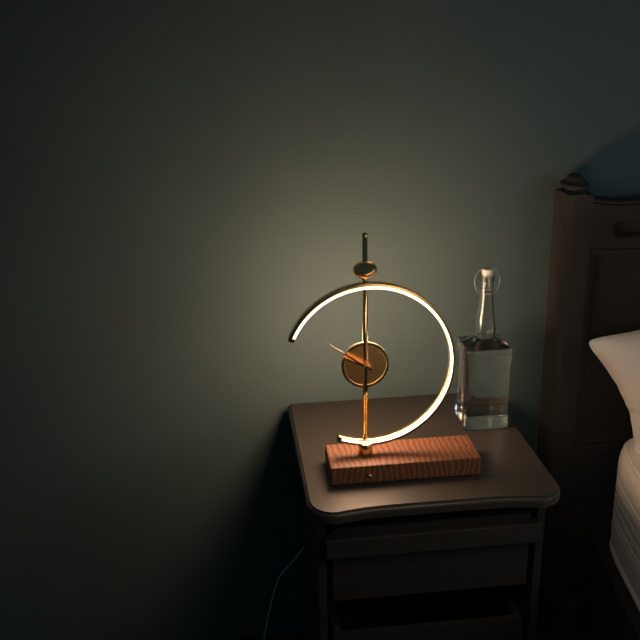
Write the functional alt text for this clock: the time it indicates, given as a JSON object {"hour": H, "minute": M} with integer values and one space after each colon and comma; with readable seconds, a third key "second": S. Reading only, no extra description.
{"hour": 9, "minute": 51}
